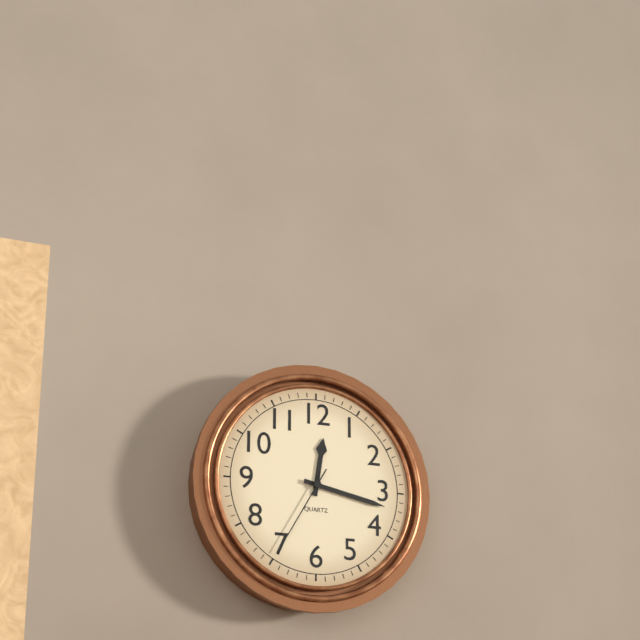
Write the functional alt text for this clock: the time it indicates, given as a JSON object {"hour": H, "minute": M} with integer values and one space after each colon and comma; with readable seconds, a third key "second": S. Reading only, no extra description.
{"hour": 12, "minute": 17, "second": 35}
